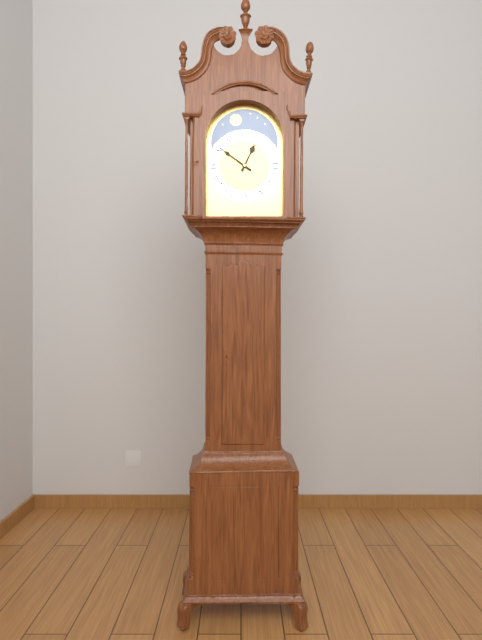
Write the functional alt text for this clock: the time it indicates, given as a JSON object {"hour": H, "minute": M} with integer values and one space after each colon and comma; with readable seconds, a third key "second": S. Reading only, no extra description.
{"hour": 12, "minute": 51}
